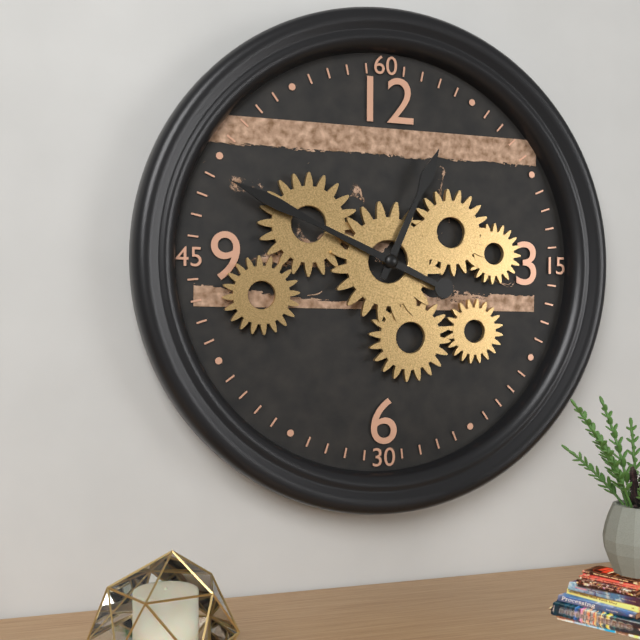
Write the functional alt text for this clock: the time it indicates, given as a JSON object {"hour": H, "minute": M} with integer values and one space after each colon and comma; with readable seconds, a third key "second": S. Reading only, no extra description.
{"hour": 12, "minute": 49}
